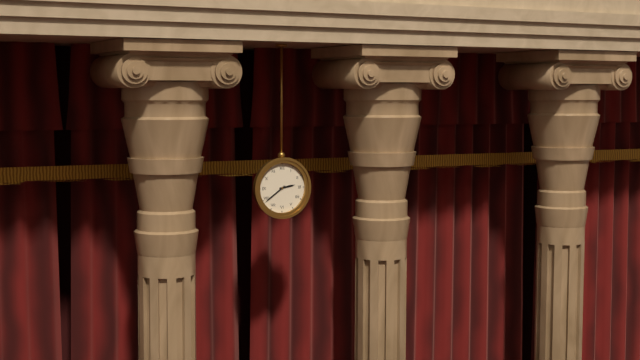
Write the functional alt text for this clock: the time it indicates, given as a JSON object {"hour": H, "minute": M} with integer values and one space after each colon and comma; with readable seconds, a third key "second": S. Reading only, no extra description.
{"hour": 2, "minute": 39}
